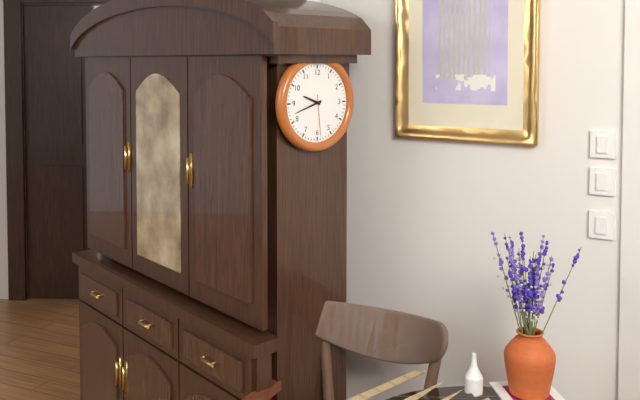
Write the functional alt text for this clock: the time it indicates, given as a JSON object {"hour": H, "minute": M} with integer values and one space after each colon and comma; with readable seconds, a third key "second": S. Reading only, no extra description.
{"hour": 9, "minute": 42}
